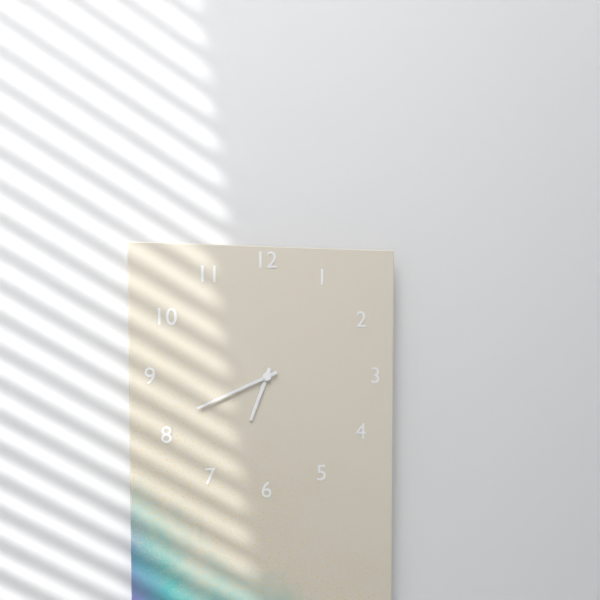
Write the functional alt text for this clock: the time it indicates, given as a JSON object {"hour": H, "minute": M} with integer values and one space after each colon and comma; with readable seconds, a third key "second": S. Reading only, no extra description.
{"hour": 6, "minute": 41}
